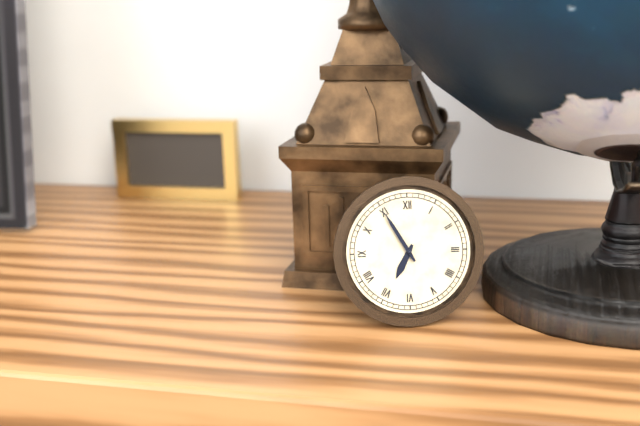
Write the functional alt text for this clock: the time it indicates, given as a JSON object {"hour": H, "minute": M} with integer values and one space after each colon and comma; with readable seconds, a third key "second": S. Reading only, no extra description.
{"hour": 6, "minute": 55}
